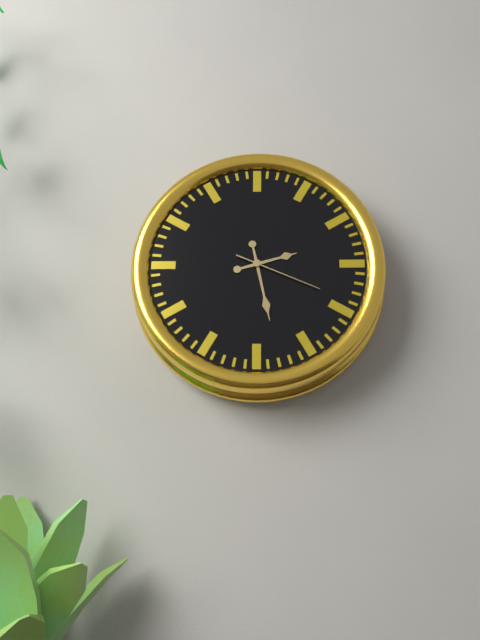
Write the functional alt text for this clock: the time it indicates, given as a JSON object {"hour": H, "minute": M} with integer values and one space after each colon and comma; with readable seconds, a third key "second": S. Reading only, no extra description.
{"hour": 2, "minute": 28, "second": 19}
